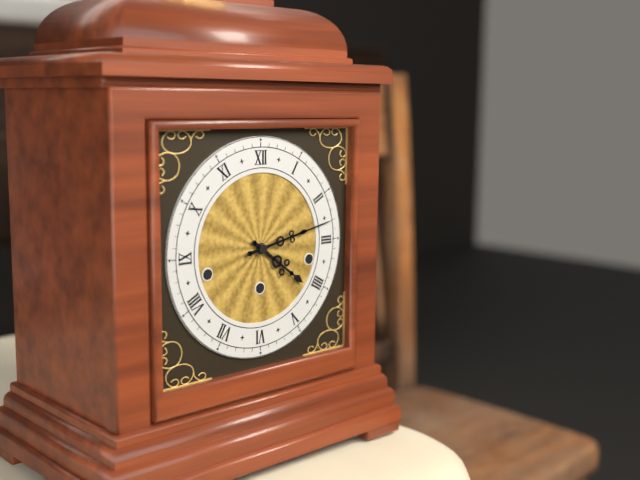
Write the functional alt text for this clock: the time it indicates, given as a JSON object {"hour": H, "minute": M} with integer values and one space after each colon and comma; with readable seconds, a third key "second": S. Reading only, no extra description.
{"hour": 4, "minute": 13}
